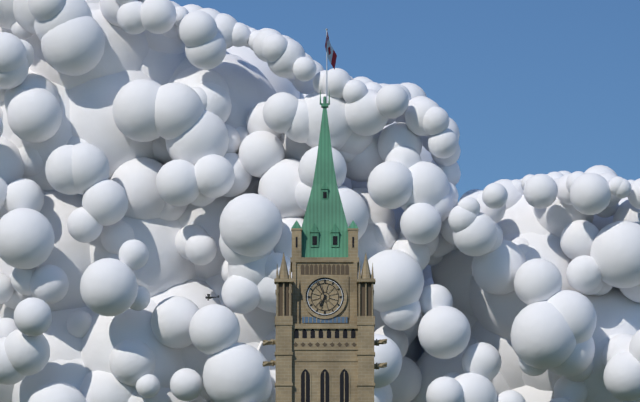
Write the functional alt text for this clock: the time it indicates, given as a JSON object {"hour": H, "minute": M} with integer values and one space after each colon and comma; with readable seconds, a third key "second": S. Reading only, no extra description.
{"hour": 6, "minute": 56}
